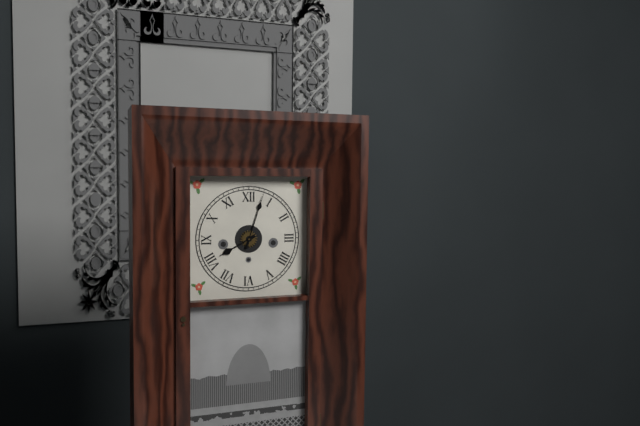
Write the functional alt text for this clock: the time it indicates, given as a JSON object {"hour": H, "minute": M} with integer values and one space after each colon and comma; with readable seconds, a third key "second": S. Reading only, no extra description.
{"hour": 8, "minute": 3}
